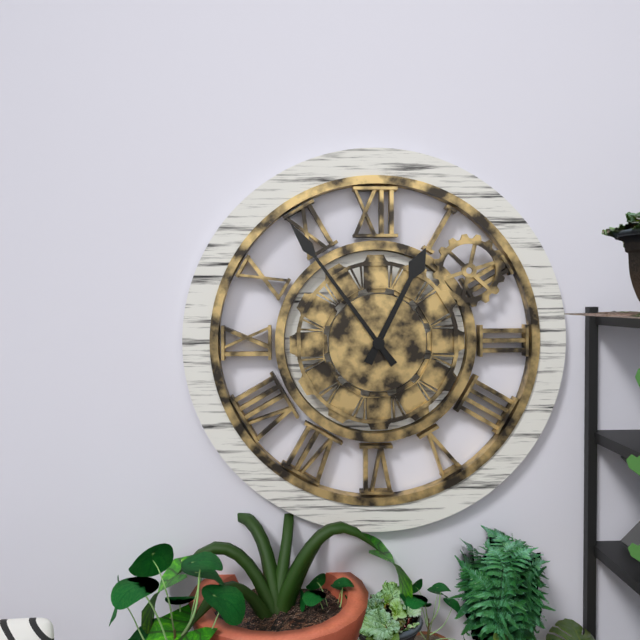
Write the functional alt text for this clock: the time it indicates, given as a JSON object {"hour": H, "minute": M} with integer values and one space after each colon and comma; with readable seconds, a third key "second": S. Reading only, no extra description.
{"hour": 12, "minute": 54}
